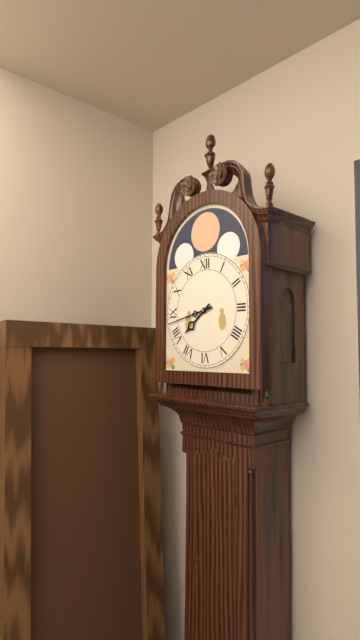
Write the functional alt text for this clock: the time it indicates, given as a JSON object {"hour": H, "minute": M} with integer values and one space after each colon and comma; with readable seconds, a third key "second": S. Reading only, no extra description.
{"hour": 7, "minute": 43}
